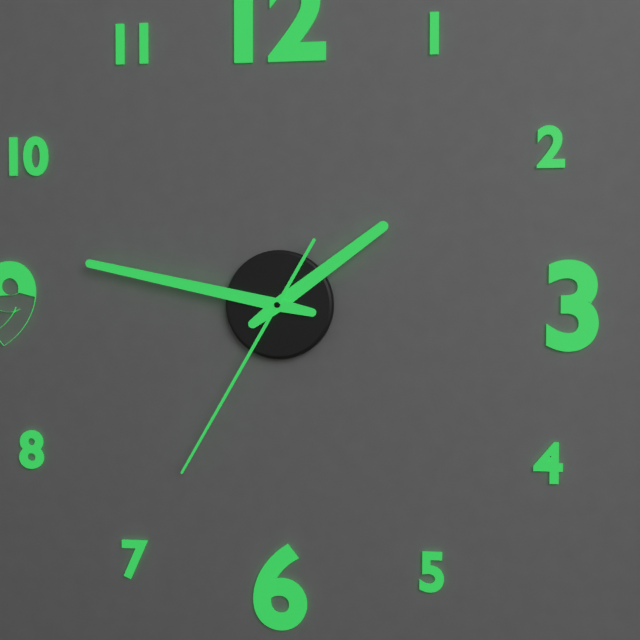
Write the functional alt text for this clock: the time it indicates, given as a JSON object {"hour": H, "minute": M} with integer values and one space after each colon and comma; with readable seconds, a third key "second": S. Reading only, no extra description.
{"hour": 1, "minute": 47, "second": 35}
